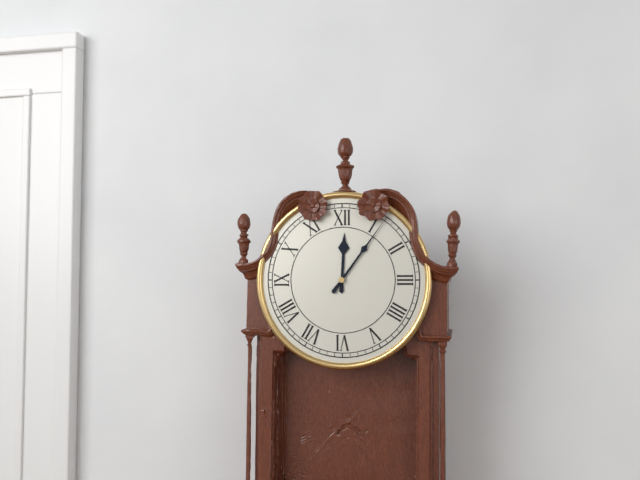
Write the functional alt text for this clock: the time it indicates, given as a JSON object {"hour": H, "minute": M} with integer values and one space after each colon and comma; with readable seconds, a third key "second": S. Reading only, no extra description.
{"hour": 12, "minute": 6}
